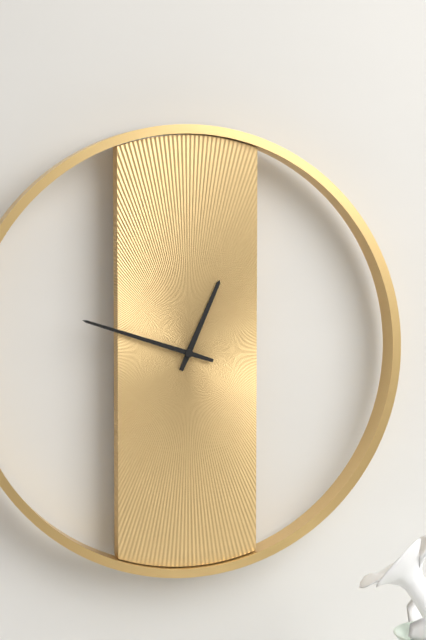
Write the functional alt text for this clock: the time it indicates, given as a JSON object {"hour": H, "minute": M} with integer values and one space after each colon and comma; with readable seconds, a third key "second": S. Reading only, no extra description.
{"hour": 12, "minute": 48}
